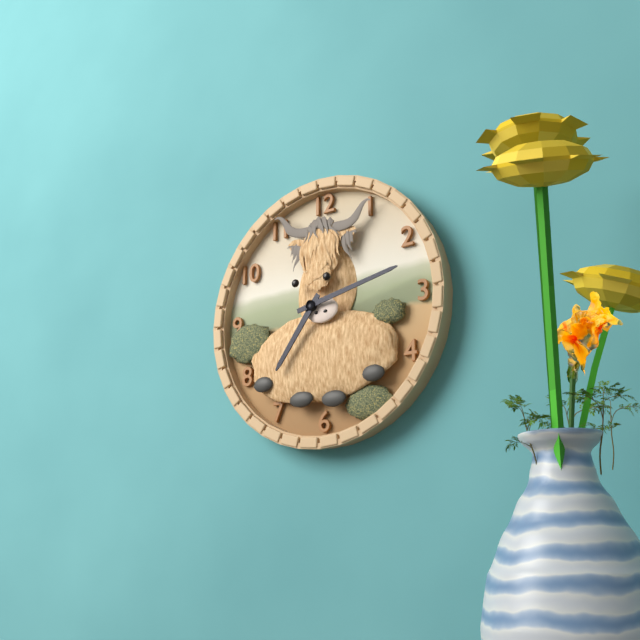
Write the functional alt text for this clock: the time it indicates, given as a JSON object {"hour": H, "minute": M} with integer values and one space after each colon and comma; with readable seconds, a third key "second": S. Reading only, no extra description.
{"hour": 7, "minute": 13}
